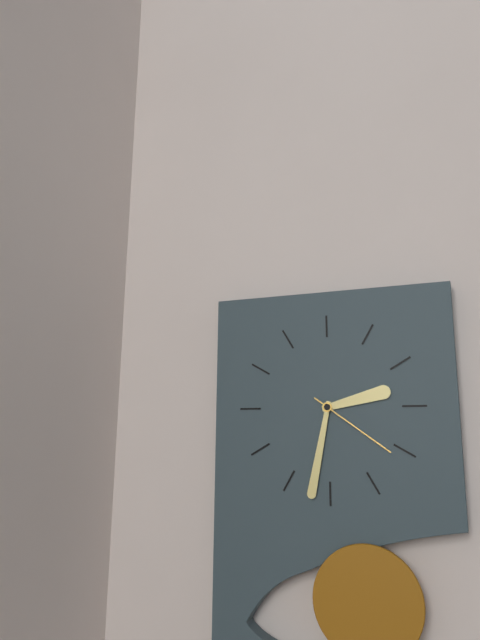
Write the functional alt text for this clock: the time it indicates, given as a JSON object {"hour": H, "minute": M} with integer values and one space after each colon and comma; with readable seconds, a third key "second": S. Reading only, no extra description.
{"hour": 2, "minute": 32, "second": 21}
